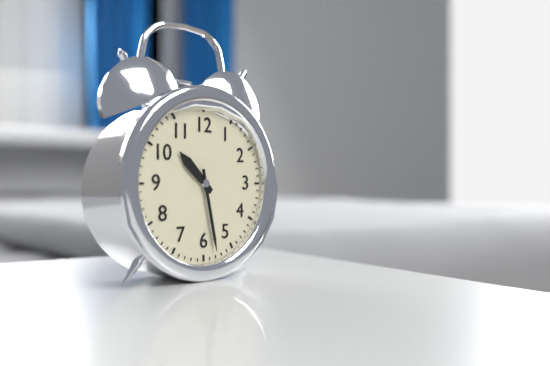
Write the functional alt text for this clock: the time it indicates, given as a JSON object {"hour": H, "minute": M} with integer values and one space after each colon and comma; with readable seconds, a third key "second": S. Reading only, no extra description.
{"hour": 10, "minute": 28}
